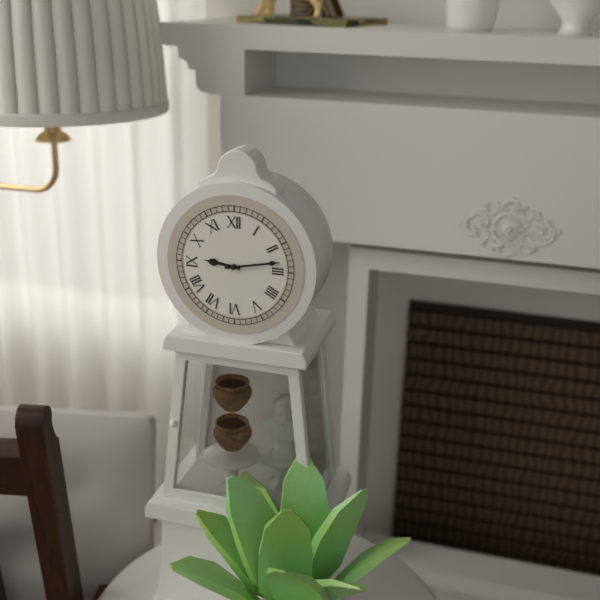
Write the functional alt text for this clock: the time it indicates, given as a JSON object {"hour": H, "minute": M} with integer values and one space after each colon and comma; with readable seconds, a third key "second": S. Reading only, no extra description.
{"hour": 9, "minute": 13}
